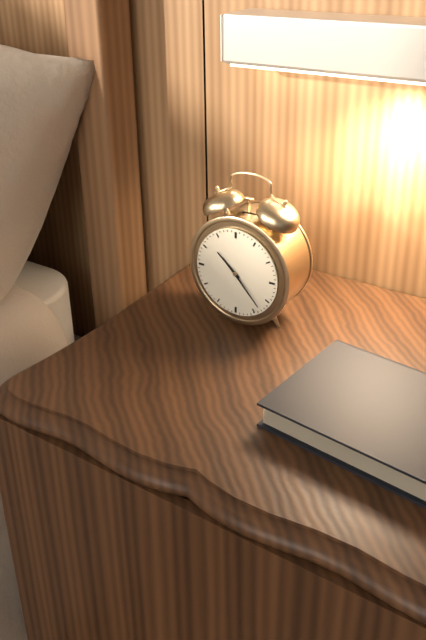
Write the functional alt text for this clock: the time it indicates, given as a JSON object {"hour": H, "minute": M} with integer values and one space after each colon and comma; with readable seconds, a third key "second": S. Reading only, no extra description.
{"hour": 10, "minute": 23}
